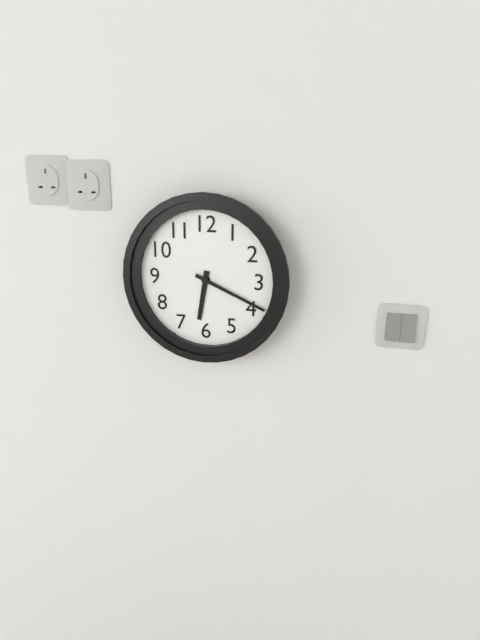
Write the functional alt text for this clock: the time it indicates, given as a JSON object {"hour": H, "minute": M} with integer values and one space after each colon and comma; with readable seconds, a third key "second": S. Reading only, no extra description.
{"hour": 6, "minute": 19}
